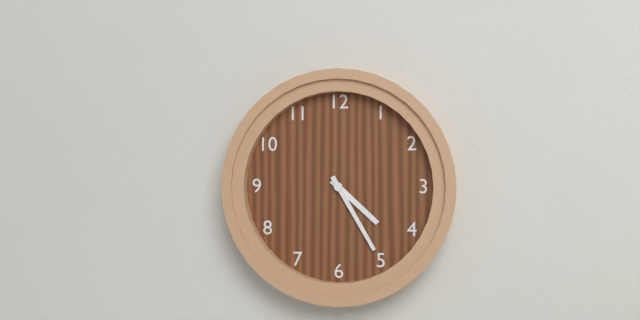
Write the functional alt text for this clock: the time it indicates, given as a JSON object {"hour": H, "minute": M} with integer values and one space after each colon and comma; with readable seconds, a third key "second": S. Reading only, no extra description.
{"hour": 4, "minute": 25}
